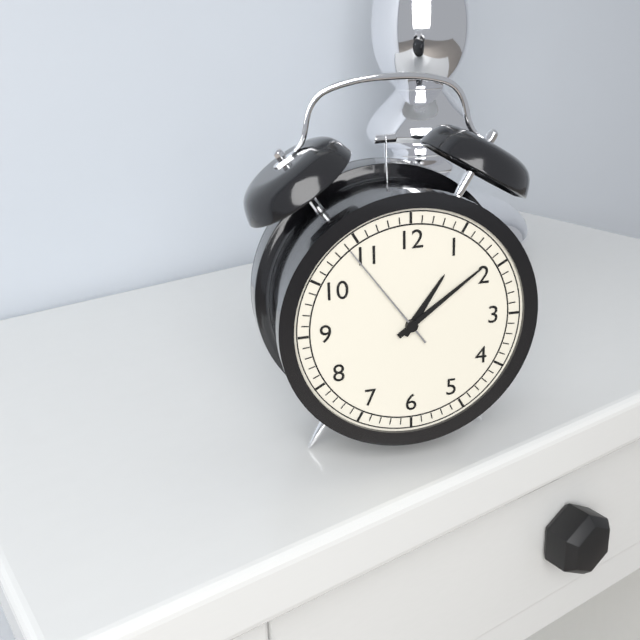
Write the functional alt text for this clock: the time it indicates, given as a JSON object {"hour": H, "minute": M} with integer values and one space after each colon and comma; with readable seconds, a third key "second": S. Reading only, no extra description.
{"hour": 1, "minute": 9, "second": 54}
